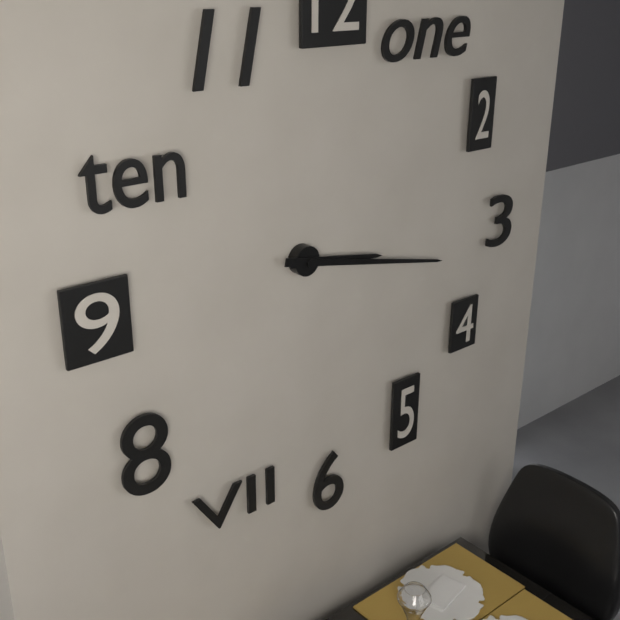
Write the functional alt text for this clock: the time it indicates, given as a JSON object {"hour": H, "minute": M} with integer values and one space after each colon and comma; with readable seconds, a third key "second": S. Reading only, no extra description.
{"hour": 3, "minute": 17}
